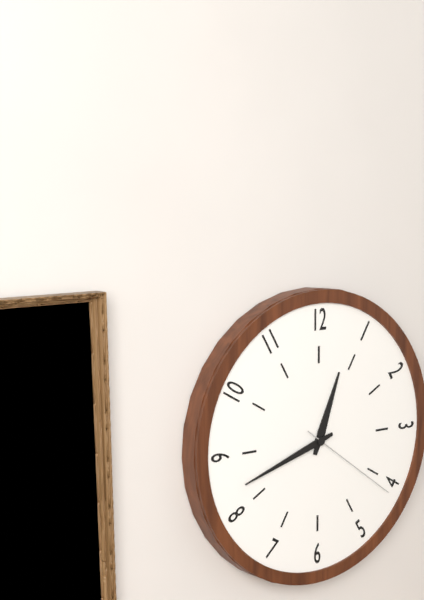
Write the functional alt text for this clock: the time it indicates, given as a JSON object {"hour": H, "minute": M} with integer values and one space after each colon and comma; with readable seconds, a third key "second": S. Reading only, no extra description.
{"hour": 12, "minute": 42, "second": 21}
